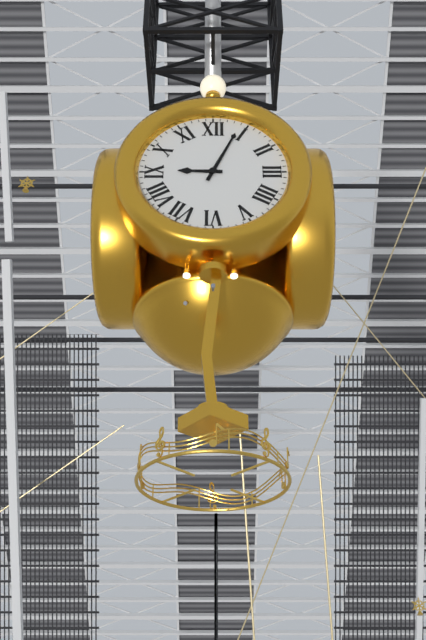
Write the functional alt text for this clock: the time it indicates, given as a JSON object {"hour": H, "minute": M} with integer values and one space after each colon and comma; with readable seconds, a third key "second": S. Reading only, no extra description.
{"hour": 9, "minute": 4}
